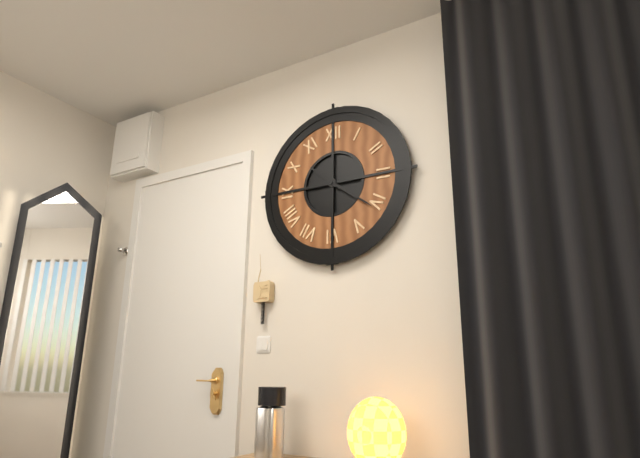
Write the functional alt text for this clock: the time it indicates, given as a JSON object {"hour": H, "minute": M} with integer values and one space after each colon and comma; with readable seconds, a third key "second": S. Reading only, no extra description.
{"hour": 10, "minute": 21}
